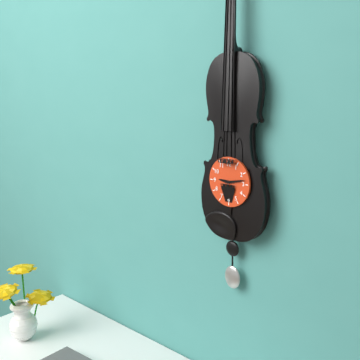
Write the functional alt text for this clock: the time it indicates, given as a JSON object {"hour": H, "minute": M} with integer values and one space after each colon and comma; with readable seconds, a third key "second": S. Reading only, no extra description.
{"hour": 9, "minute": 13}
